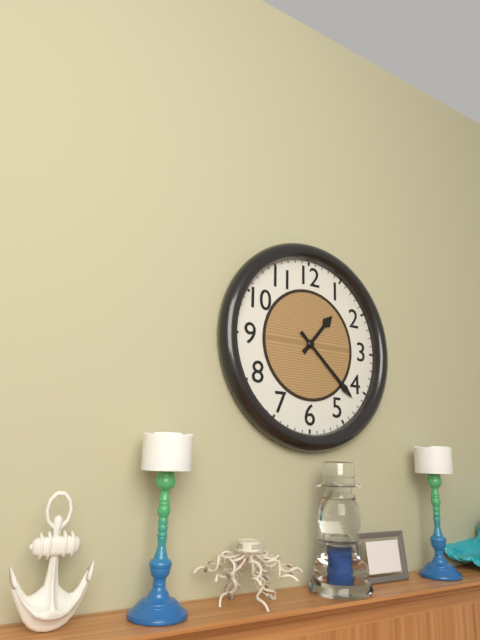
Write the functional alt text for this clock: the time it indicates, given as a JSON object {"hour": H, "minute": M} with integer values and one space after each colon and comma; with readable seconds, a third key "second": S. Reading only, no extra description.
{"hour": 1, "minute": 22}
